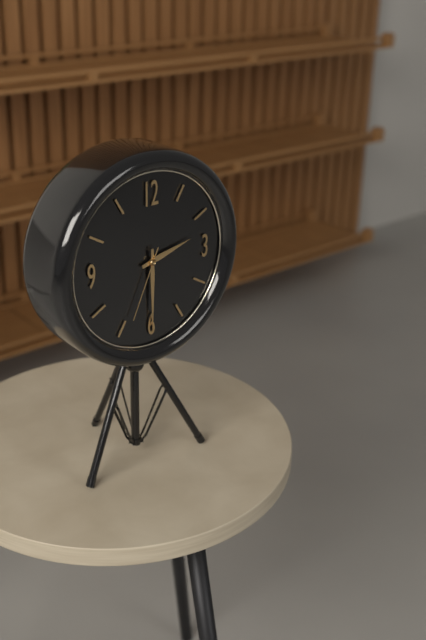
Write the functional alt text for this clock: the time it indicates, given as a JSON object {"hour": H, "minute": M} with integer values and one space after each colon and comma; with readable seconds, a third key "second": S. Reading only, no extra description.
{"hour": 2, "minute": 30, "second": 34}
